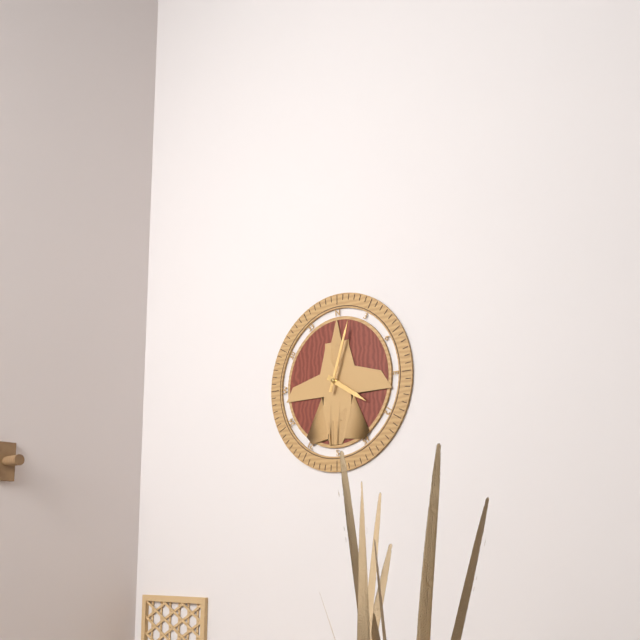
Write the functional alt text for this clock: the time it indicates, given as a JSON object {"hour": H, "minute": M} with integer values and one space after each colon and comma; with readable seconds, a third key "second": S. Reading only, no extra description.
{"hour": 4, "minute": 3}
